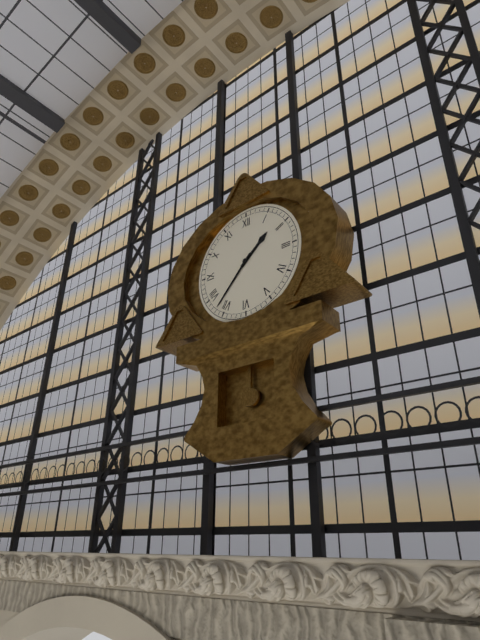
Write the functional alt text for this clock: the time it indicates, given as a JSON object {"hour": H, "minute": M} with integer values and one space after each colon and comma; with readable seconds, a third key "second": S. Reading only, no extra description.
{"hour": 1, "minute": 37}
